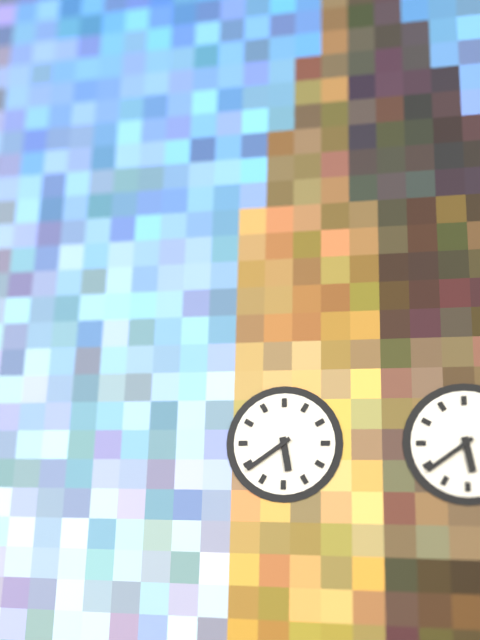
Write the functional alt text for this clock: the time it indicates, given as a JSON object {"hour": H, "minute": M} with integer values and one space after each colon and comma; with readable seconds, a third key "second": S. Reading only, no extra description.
{"hour": 5, "minute": 39}
